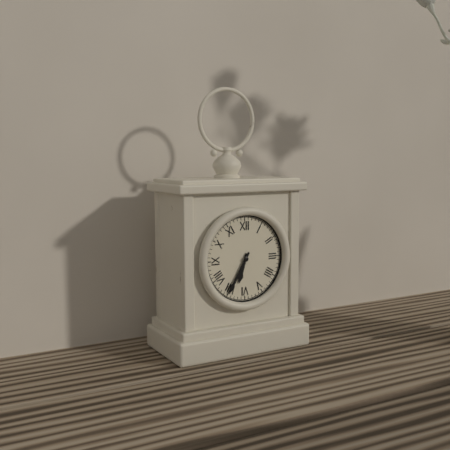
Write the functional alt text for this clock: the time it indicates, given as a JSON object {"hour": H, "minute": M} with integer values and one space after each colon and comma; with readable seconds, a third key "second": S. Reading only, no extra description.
{"hour": 6, "minute": 35}
